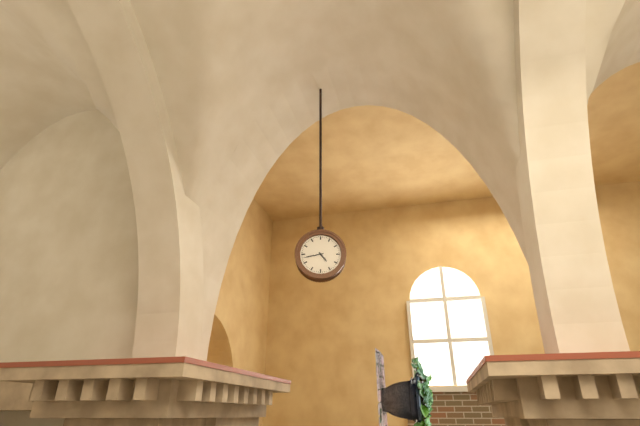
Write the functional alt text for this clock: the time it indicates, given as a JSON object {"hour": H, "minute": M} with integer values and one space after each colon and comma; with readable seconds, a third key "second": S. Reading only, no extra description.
{"hour": 4, "minute": 43}
